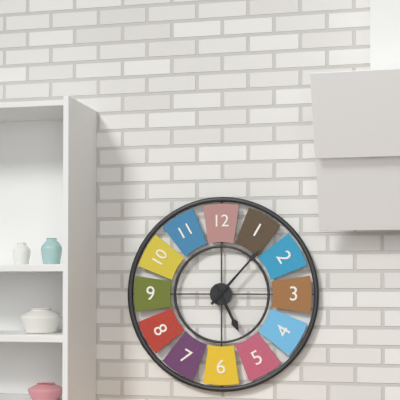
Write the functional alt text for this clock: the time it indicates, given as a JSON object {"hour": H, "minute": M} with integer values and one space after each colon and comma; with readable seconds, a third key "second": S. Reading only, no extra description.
{"hour": 5, "minute": 7}
